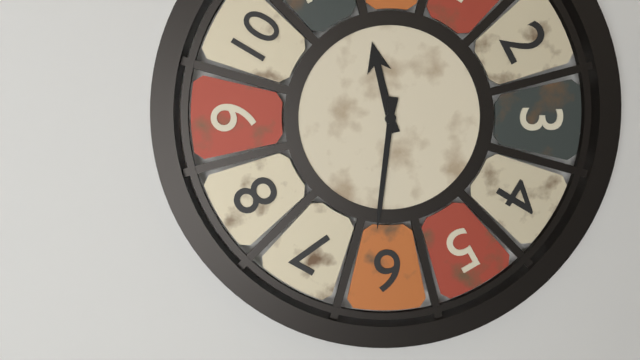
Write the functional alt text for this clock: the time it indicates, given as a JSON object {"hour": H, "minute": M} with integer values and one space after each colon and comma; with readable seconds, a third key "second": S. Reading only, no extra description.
{"hour": 11, "minute": 31}
